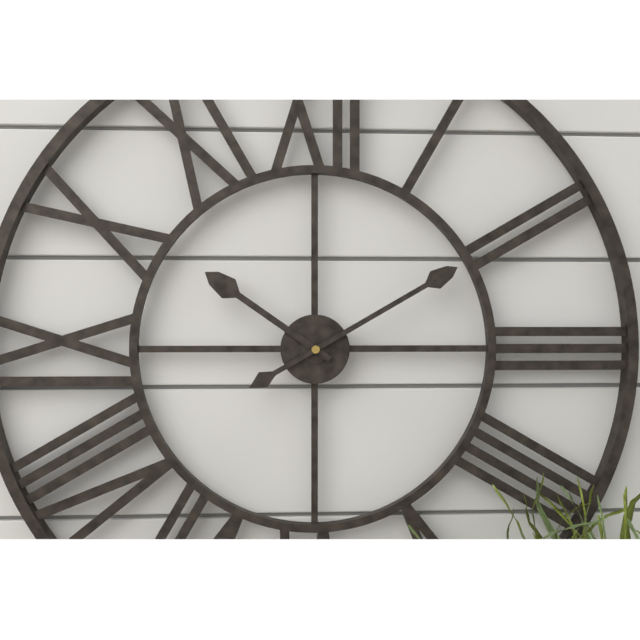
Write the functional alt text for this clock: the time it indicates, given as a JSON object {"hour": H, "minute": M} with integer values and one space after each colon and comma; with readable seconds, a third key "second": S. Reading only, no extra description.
{"hour": 10, "minute": 10}
